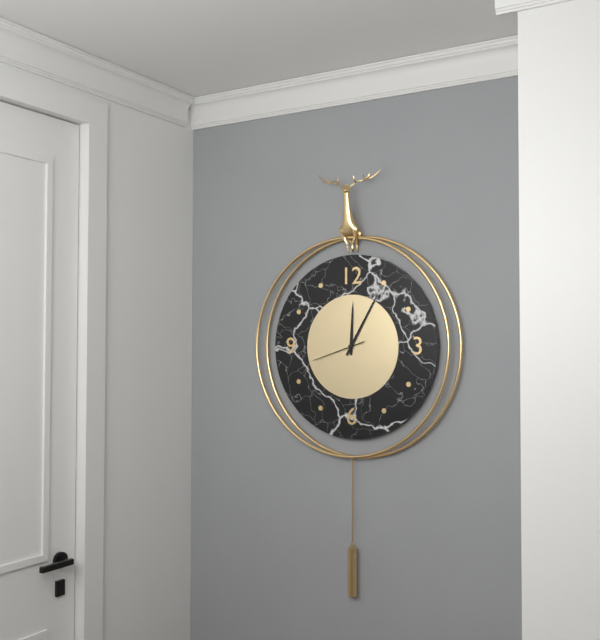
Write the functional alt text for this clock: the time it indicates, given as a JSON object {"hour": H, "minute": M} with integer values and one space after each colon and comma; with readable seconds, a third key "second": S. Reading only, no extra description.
{"hour": 12, "minute": 5, "second": 42}
